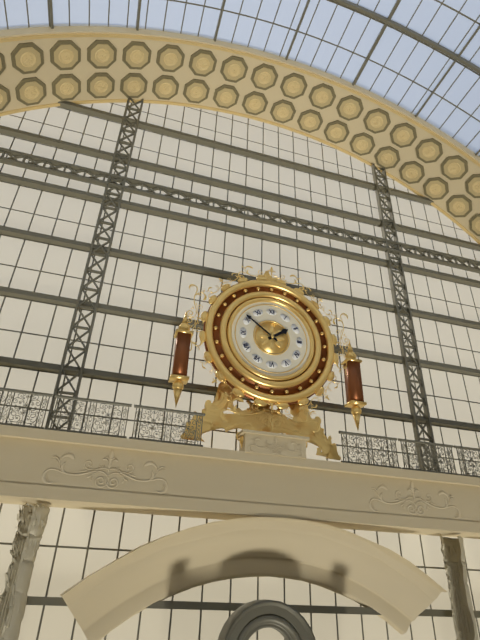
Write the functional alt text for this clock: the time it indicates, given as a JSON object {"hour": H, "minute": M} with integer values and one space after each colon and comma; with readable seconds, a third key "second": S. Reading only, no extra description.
{"hour": 1, "minute": 51}
